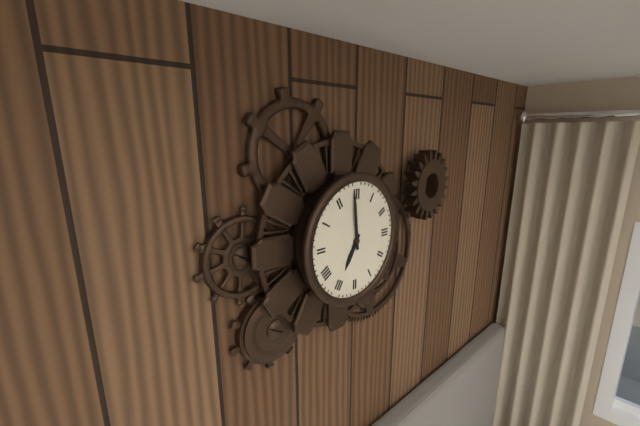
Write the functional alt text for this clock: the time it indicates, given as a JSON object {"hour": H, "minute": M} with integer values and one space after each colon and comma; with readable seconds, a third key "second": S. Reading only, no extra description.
{"hour": 6, "minute": 59}
